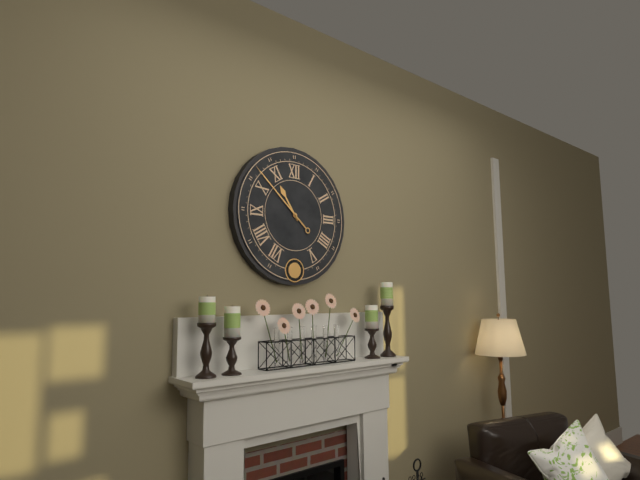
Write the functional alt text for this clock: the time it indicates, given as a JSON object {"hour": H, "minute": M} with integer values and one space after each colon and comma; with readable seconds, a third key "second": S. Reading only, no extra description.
{"hour": 10, "minute": 52}
